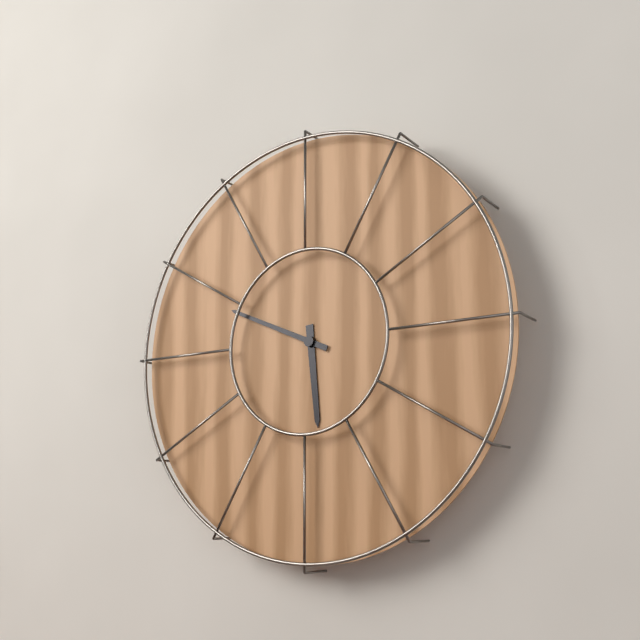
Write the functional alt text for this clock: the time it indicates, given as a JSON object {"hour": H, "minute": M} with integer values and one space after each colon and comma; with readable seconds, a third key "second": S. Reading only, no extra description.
{"hour": 5, "minute": 49}
